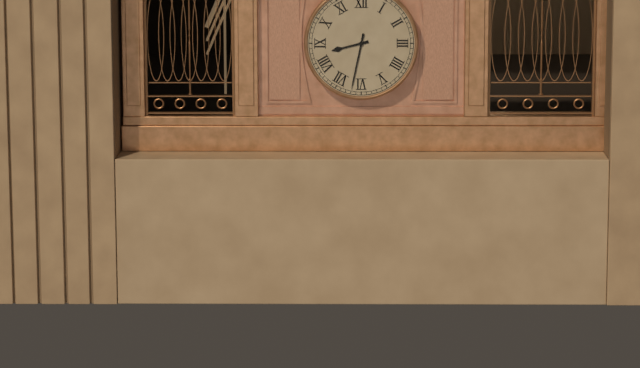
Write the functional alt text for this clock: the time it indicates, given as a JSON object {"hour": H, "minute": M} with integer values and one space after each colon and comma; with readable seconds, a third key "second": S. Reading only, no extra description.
{"hour": 8, "minute": 32}
